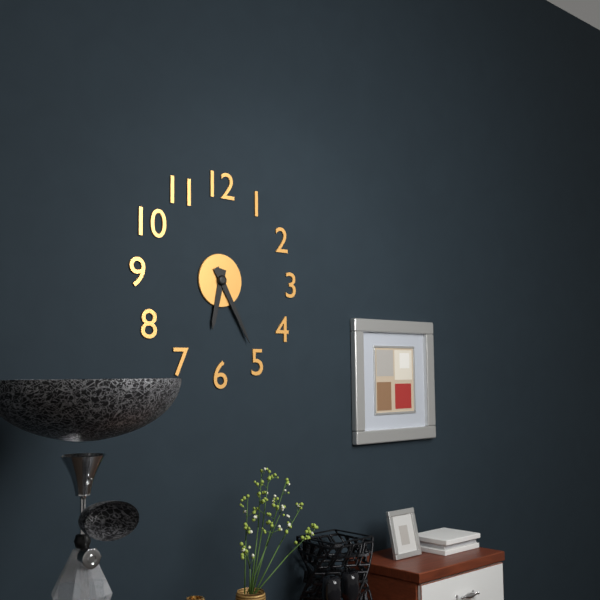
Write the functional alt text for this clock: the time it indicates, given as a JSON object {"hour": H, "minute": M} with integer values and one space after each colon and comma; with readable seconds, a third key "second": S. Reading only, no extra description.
{"hour": 6, "minute": 25}
